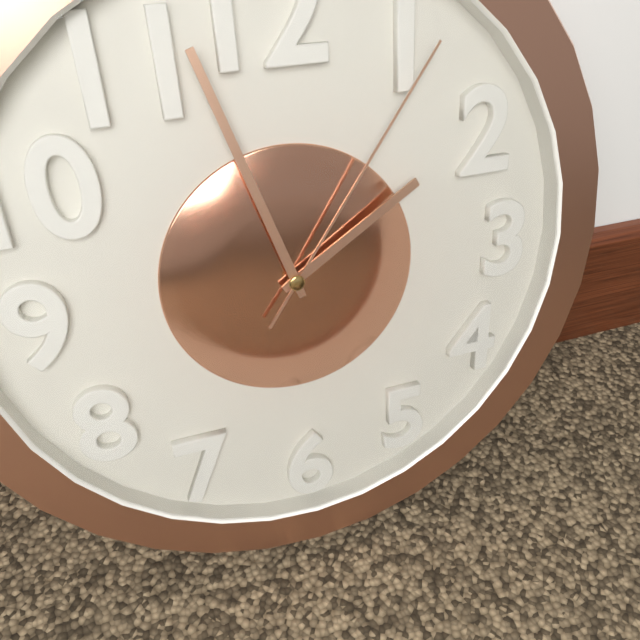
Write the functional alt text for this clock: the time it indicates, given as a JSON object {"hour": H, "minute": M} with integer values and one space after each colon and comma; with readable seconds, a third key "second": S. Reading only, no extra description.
{"hour": 1, "minute": 57, "second": 6}
